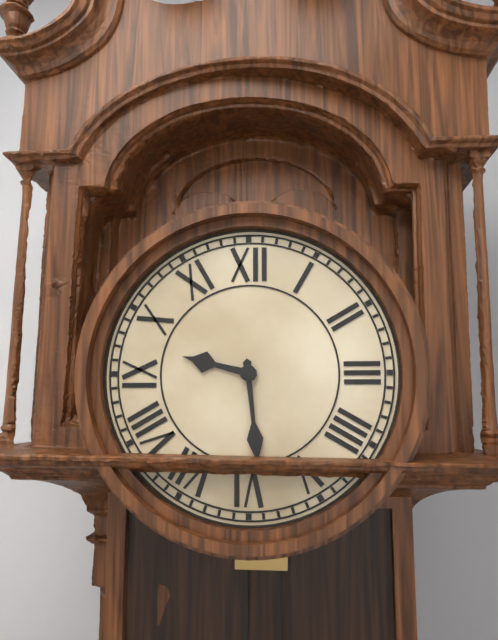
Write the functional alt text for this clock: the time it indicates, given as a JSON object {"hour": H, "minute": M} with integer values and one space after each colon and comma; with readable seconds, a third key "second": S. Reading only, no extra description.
{"hour": 9, "minute": 29}
